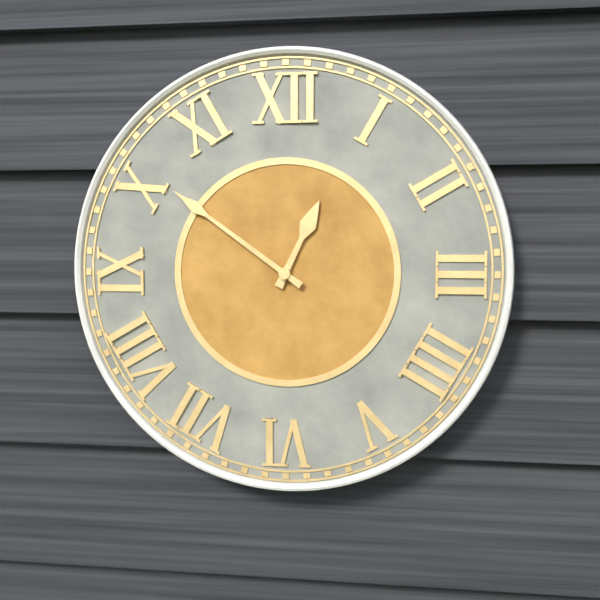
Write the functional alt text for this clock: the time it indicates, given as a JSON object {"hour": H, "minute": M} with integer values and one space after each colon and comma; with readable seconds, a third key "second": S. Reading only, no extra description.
{"hour": 12, "minute": 51}
